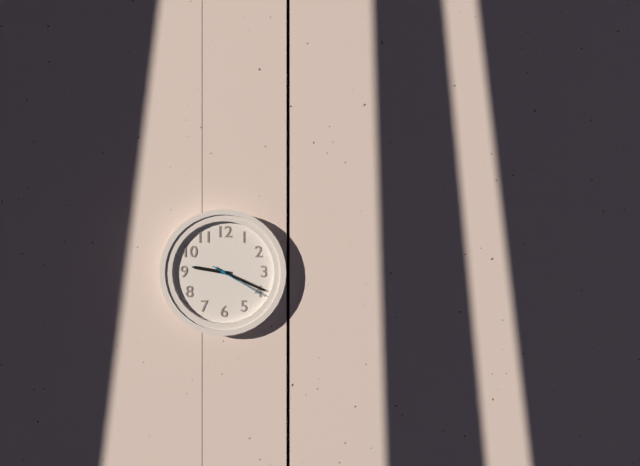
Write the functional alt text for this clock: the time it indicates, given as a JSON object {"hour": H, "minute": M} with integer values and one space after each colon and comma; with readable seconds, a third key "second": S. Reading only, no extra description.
{"hour": 9, "minute": 19, "second": 20}
